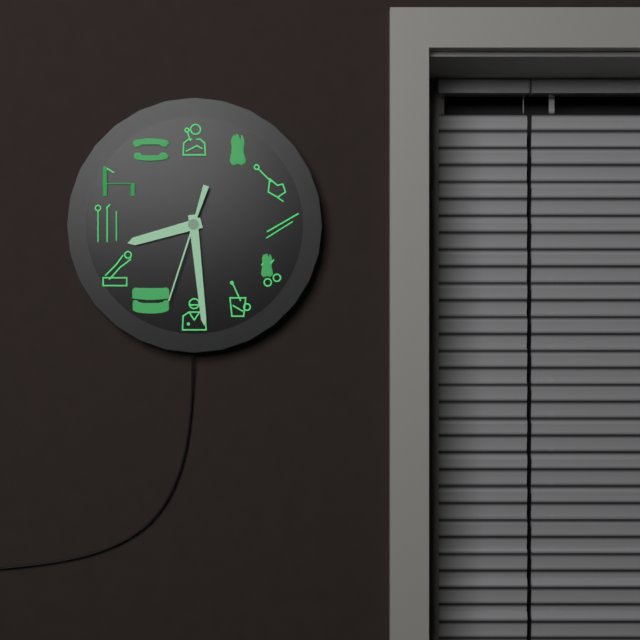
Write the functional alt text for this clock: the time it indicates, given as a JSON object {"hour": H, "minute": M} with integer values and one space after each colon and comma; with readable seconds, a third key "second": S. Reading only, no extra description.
{"hour": 8, "minute": 29, "second": 33}
